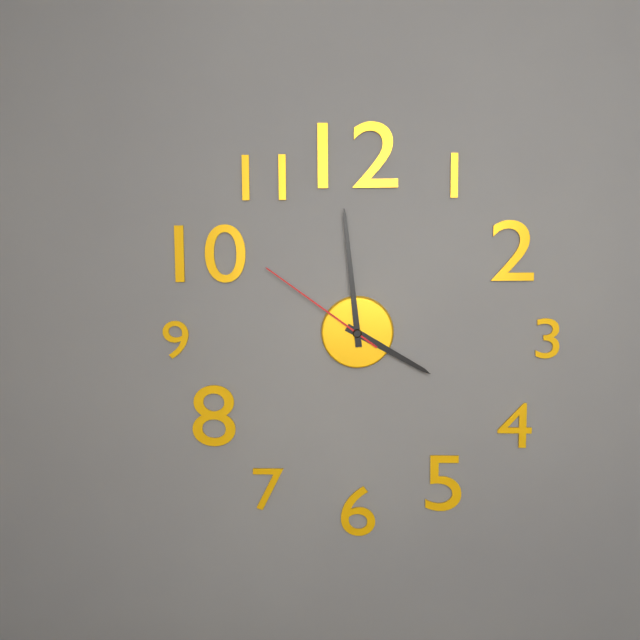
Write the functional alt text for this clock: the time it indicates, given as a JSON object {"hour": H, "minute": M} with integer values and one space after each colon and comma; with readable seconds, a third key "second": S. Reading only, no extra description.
{"hour": 3, "minute": 59, "second": 51}
